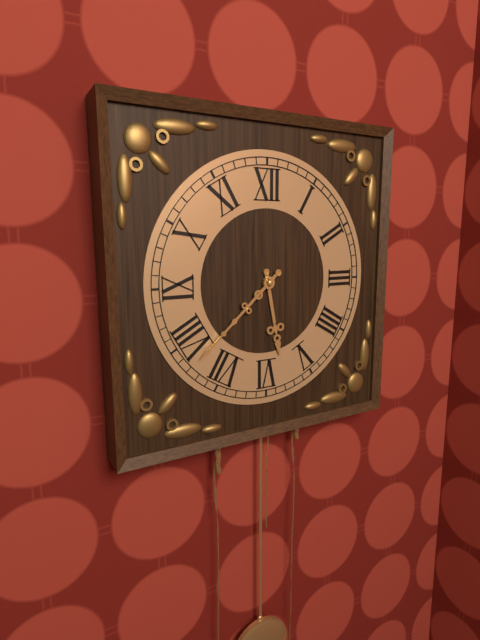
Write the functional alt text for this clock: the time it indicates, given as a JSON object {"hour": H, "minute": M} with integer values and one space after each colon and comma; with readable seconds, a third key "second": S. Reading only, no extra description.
{"hour": 5, "minute": 38}
